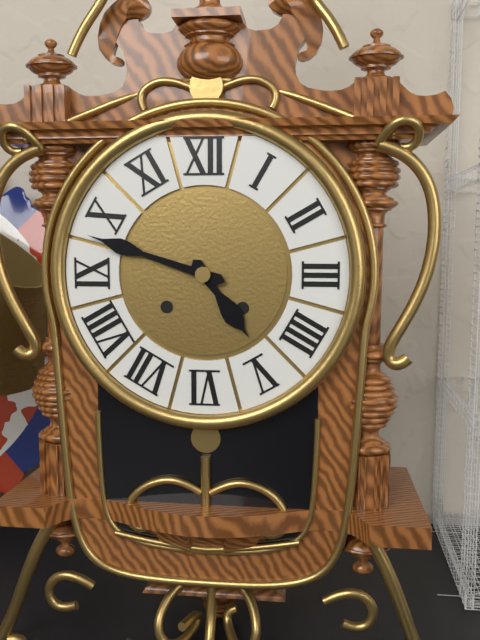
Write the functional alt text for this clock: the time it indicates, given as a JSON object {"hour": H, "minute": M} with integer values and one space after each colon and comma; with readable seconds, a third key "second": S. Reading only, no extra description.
{"hour": 4, "minute": 48}
